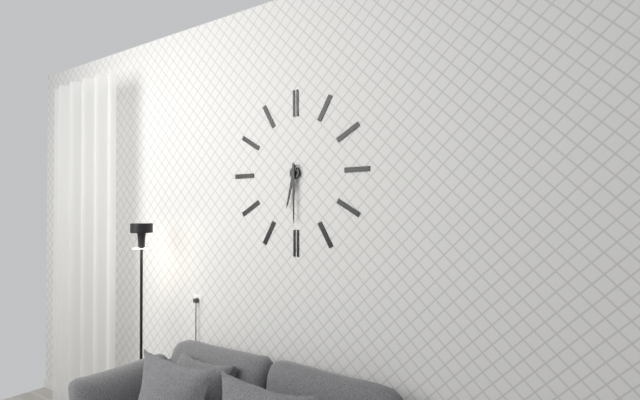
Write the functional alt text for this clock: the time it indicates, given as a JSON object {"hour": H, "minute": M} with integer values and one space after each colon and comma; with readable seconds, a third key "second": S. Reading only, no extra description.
{"hour": 6, "minute": 30}
